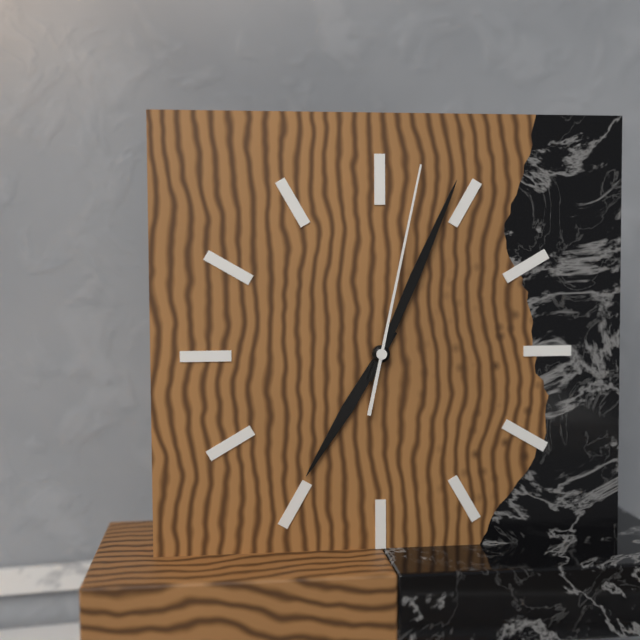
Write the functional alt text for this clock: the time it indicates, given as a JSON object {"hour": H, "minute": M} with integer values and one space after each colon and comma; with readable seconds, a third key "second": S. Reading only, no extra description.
{"hour": 7, "minute": 4, "second": 2}
